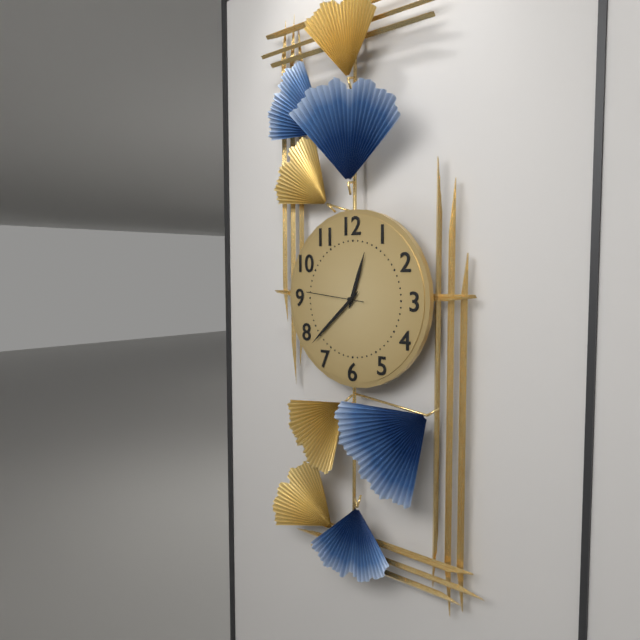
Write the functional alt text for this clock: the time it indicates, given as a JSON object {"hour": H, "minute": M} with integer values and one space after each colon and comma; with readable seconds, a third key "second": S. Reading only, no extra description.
{"hour": 12, "minute": 38, "second": 46}
